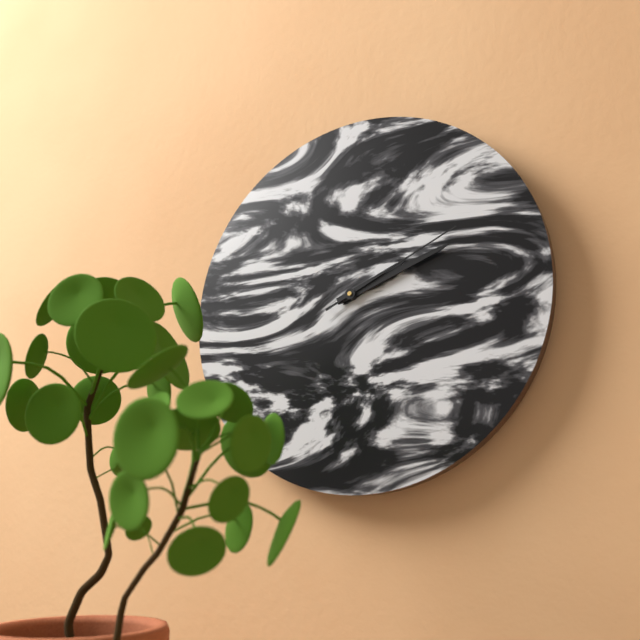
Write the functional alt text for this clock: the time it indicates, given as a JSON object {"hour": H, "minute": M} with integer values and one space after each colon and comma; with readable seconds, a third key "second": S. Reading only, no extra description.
{"hour": 2, "minute": 12, "second": 11}
